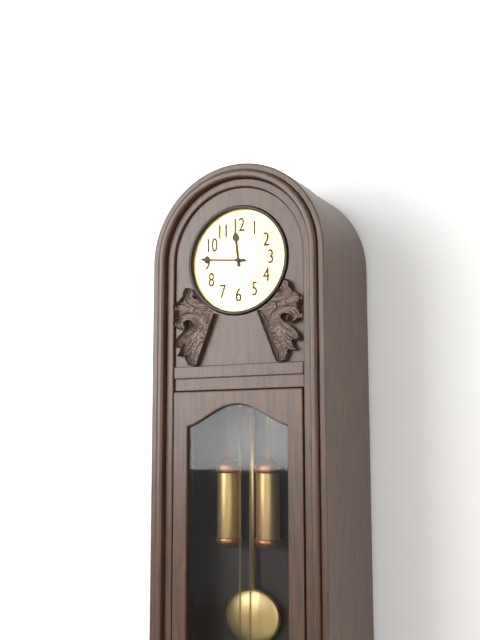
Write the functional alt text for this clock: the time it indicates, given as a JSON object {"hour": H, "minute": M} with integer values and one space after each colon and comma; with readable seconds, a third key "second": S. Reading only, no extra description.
{"hour": 11, "minute": 46}
